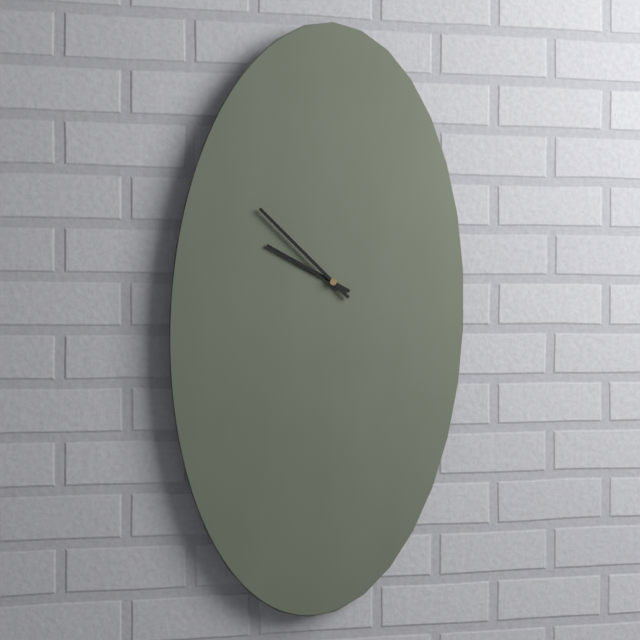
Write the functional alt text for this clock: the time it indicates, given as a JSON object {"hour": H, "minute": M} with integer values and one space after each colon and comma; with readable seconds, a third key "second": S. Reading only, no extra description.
{"hour": 9, "minute": 52}
